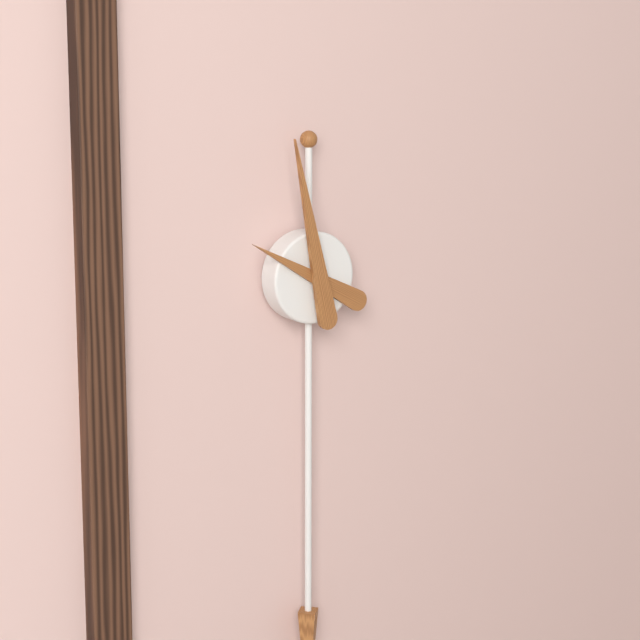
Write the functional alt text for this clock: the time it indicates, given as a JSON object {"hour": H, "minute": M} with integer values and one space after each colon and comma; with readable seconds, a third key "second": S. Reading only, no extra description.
{"hour": 9, "minute": 58}
